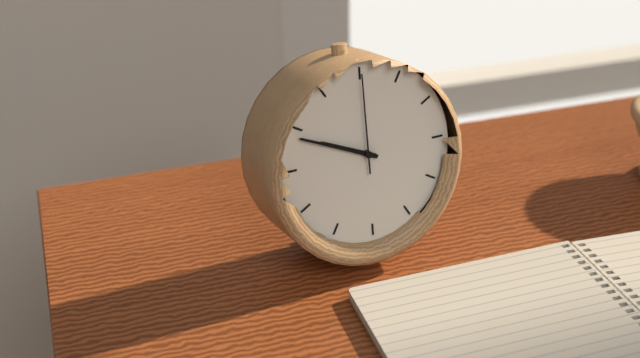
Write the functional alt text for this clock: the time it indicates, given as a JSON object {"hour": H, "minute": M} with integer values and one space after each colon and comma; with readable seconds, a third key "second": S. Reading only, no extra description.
{"hour": 9, "minute": 49, "second": 0}
